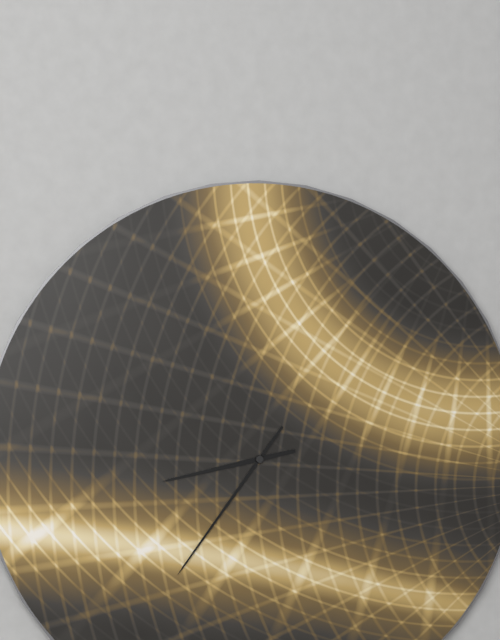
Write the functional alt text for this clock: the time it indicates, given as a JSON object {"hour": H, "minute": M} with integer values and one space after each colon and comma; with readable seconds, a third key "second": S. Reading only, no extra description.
{"hour": 8, "minute": 36}
